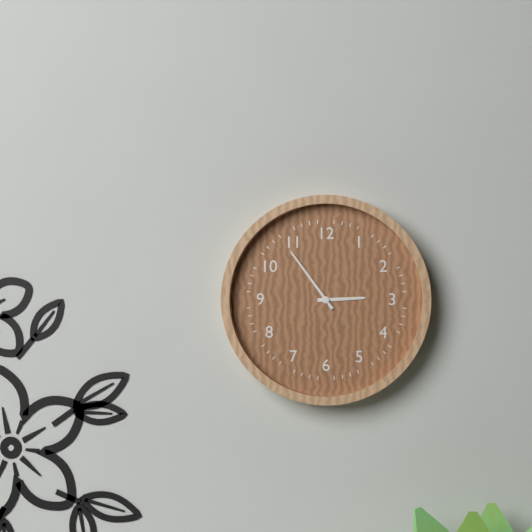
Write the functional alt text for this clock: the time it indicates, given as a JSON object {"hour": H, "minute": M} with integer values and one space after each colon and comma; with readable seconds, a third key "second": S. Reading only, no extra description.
{"hour": 2, "minute": 54}
